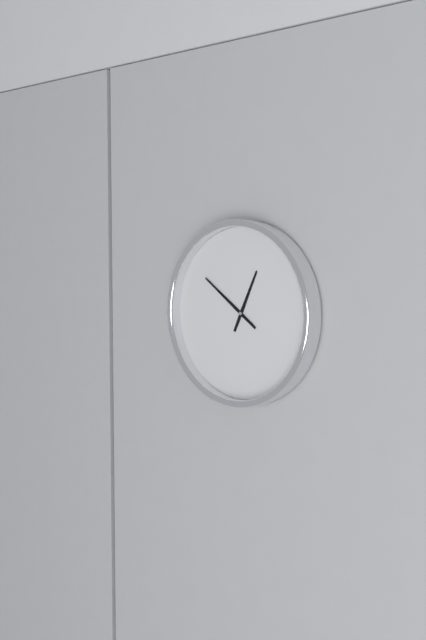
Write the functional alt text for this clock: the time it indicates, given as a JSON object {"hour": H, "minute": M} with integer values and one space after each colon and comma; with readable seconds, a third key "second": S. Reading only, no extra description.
{"hour": 12, "minute": 51}
